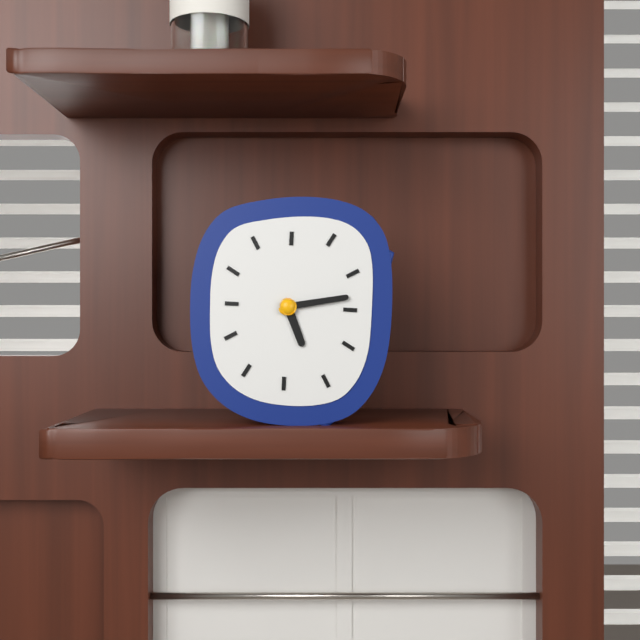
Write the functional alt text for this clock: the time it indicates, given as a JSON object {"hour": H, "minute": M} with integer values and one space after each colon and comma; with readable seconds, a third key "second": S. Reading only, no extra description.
{"hour": 5, "minute": 13}
